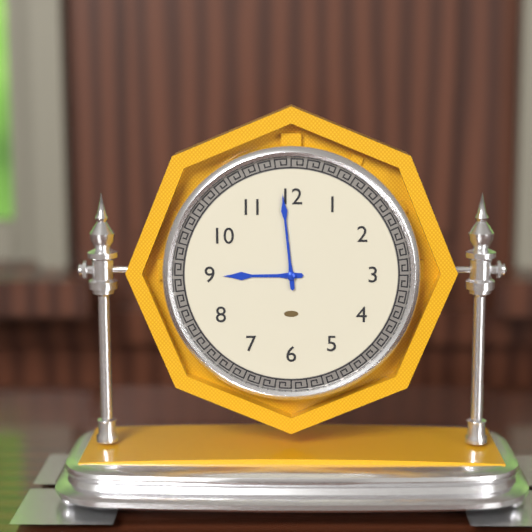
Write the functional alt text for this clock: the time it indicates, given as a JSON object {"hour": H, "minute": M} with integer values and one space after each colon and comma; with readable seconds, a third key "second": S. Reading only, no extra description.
{"hour": 8, "minute": 59}
